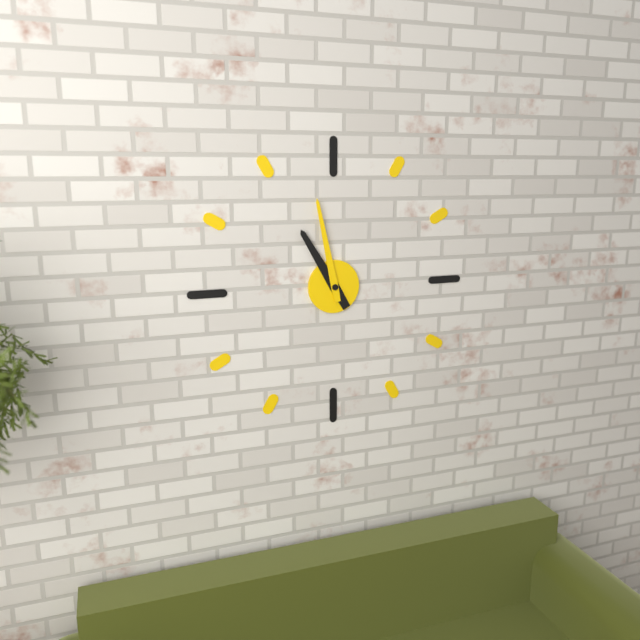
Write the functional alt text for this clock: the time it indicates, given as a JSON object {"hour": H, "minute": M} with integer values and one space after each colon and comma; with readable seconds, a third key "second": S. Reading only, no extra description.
{"hour": 10, "minute": 58}
